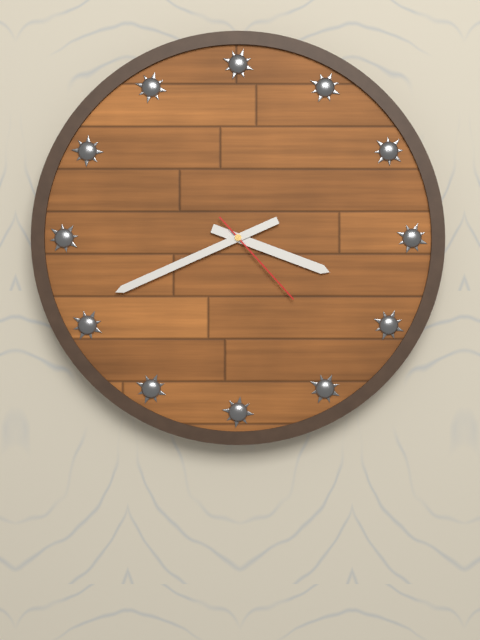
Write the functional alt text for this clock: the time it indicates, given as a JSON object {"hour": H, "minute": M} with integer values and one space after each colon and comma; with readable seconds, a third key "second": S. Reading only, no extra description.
{"hour": 3, "minute": 41, "second": 23}
